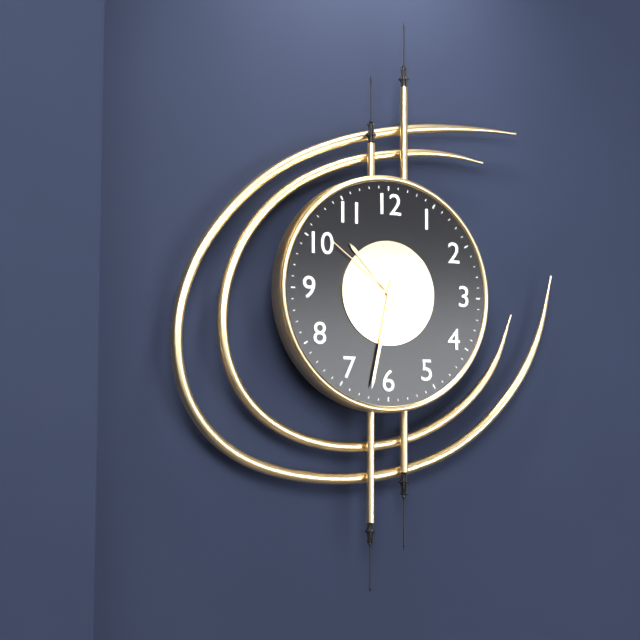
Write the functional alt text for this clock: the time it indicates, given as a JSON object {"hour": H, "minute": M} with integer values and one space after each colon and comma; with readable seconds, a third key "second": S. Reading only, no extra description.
{"hour": 10, "minute": 32, "second": 51}
